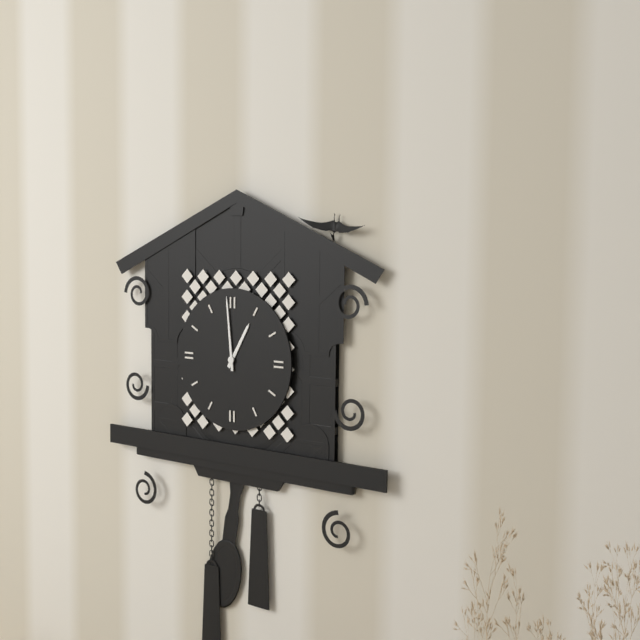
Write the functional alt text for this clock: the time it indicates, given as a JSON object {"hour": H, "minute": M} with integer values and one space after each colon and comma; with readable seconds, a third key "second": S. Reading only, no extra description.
{"hour": 12, "minute": 59}
